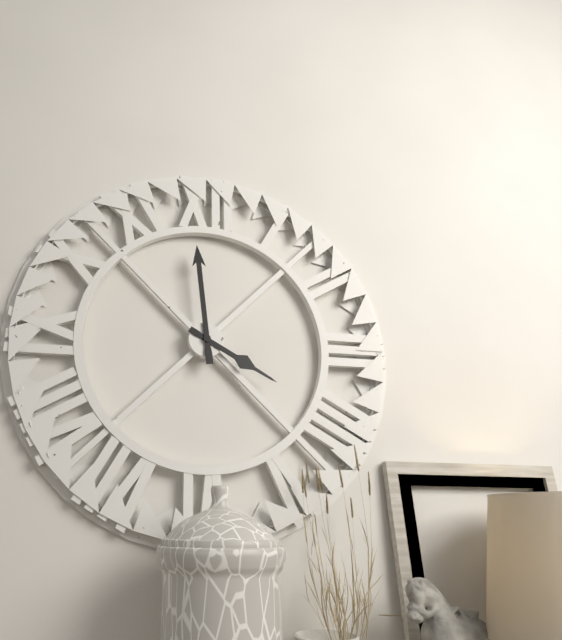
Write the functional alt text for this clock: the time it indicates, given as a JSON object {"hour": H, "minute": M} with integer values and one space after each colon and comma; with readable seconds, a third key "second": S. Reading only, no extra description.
{"hour": 3, "minute": 59}
